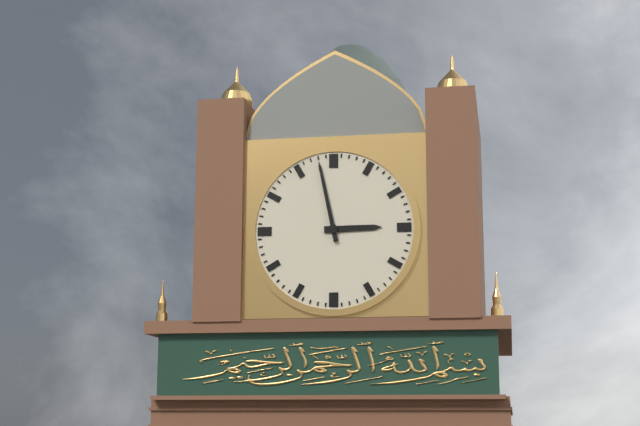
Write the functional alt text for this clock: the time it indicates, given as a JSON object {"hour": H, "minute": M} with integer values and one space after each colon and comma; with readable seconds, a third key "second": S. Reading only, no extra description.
{"hour": 2, "minute": 58}
